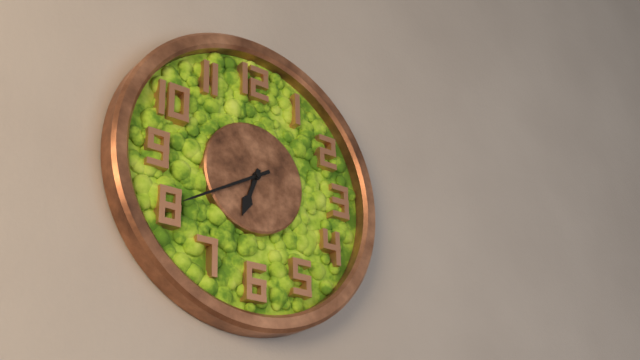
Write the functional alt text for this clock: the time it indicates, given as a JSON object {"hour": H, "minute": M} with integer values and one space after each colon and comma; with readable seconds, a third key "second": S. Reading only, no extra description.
{"hour": 6, "minute": 40}
